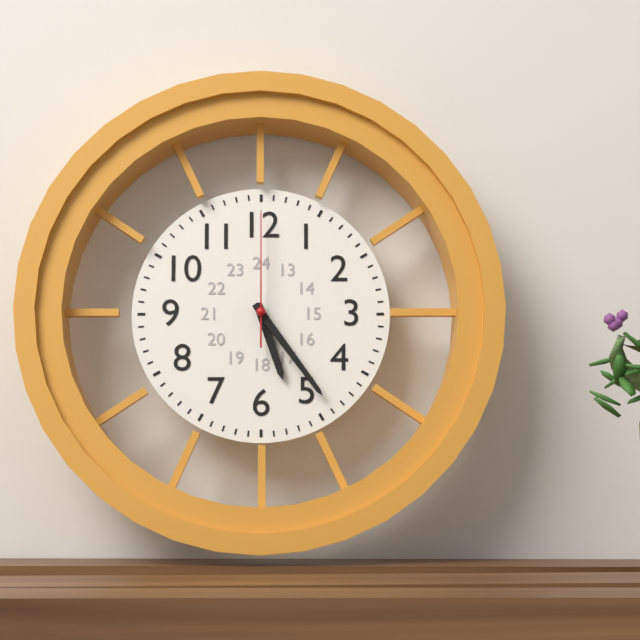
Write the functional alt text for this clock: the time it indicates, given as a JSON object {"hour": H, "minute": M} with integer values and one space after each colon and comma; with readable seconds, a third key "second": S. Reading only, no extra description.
{"hour": 5, "minute": 24, "second": 0}
